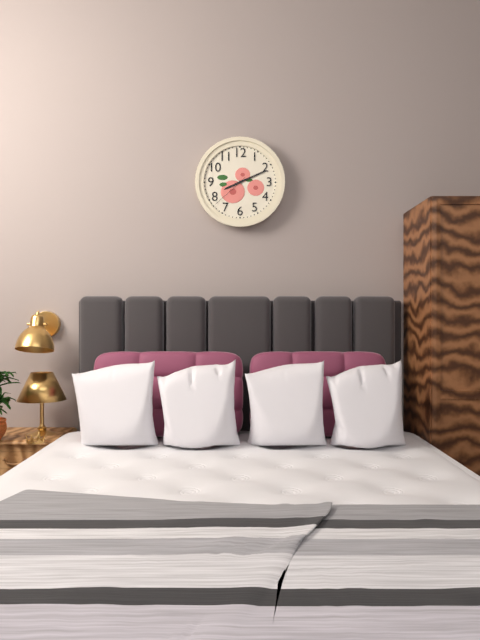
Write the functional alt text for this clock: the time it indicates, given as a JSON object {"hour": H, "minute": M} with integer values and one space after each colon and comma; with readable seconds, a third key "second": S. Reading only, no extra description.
{"hour": 8, "minute": 11}
